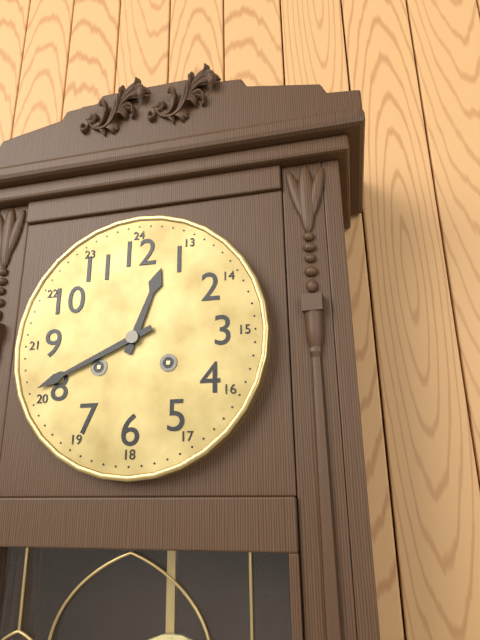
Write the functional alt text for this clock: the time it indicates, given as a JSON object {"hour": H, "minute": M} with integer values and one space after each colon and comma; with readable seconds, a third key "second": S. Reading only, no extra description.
{"hour": 12, "minute": 41}
